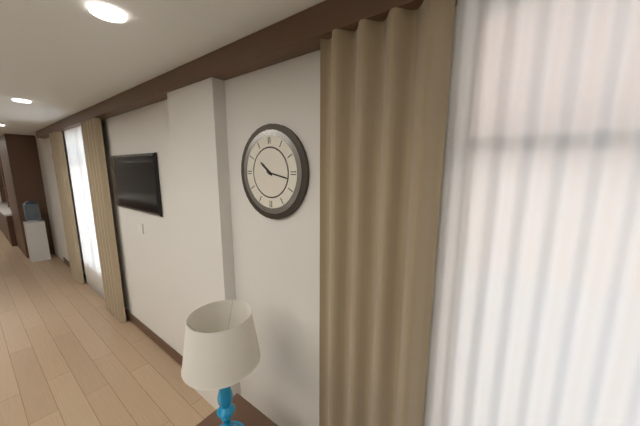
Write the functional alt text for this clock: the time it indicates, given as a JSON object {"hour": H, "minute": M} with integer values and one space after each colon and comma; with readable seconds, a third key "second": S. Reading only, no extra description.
{"hour": 10, "minute": 17}
